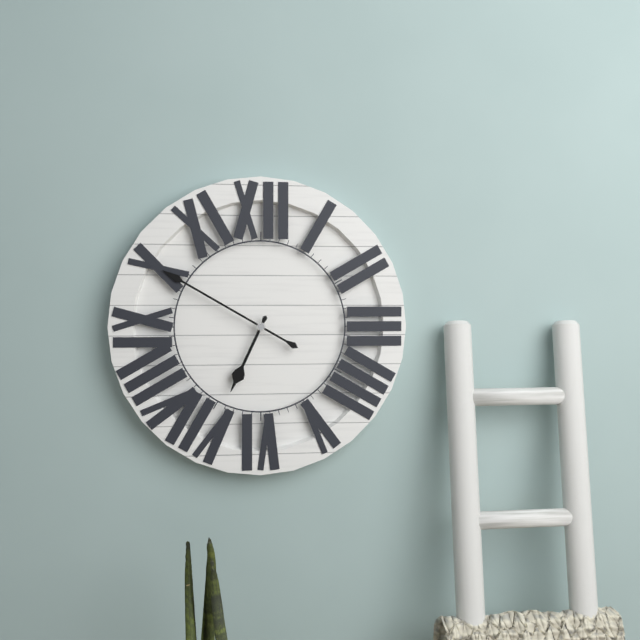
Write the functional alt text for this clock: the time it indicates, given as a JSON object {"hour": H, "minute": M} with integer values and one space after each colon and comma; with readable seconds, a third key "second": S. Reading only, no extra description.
{"hour": 6, "minute": 50}
